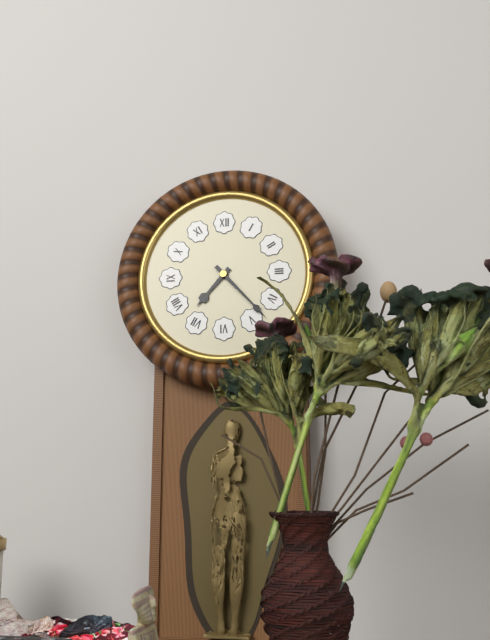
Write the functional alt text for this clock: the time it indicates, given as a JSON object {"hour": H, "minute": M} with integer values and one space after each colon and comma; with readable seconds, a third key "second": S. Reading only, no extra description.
{"hour": 7, "minute": 23}
